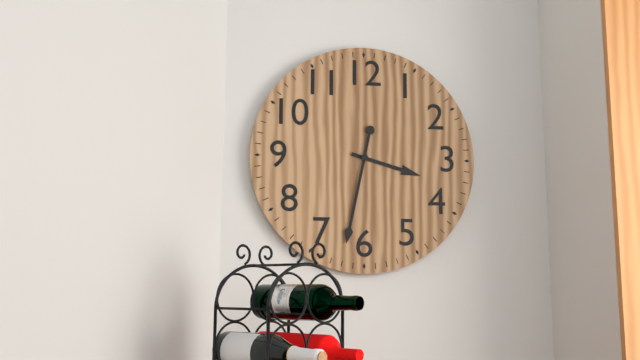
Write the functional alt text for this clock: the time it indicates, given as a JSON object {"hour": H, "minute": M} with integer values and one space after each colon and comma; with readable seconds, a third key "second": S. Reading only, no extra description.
{"hour": 3, "minute": 32}
